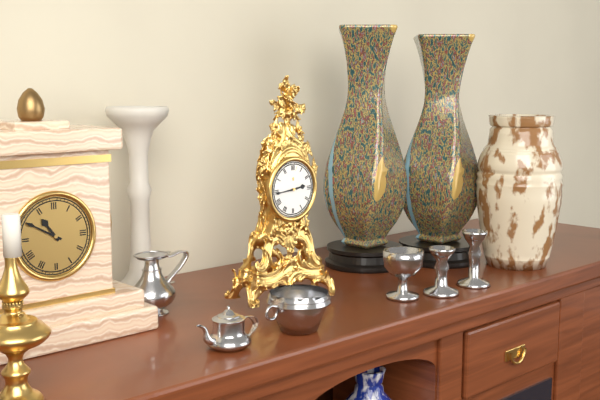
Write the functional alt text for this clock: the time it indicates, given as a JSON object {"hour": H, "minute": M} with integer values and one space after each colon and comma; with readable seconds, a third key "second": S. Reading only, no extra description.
{"hour": 2, "minute": 44}
